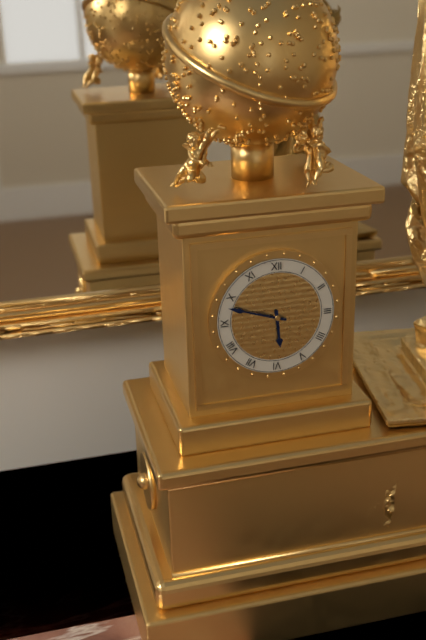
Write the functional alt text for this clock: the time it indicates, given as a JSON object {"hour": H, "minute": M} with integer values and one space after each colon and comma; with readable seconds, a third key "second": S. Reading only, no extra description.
{"hour": 5, "minute": 48}
